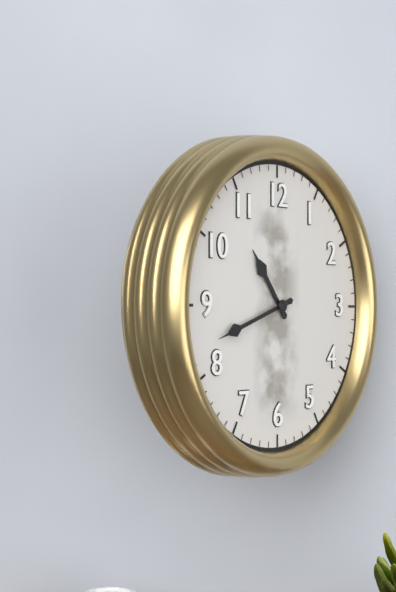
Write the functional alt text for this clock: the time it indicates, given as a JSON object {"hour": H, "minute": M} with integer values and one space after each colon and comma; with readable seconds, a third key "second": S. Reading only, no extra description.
{"hour": 10, "minute": 42}
